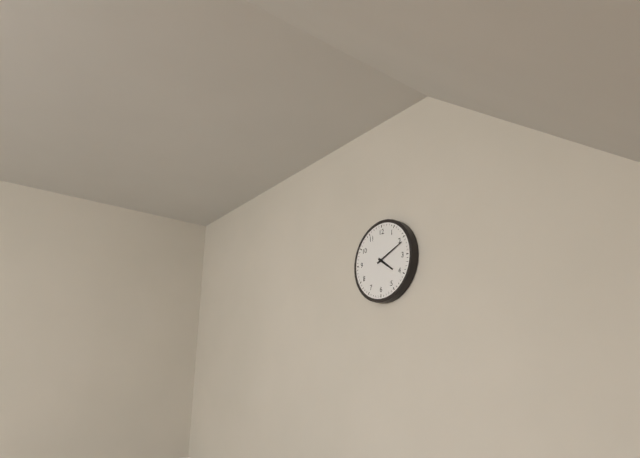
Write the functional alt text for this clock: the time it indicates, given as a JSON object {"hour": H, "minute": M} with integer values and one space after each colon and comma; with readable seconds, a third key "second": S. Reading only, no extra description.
{"hour": 4, "minute": 11}
